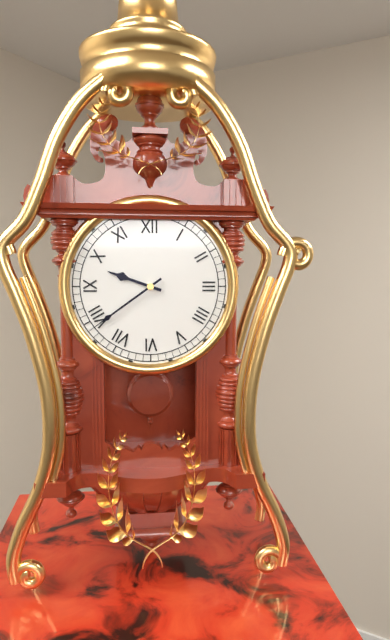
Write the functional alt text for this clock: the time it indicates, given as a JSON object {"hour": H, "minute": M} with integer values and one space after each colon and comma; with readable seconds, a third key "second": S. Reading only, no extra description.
{"hour": 9, "minute": 39}
